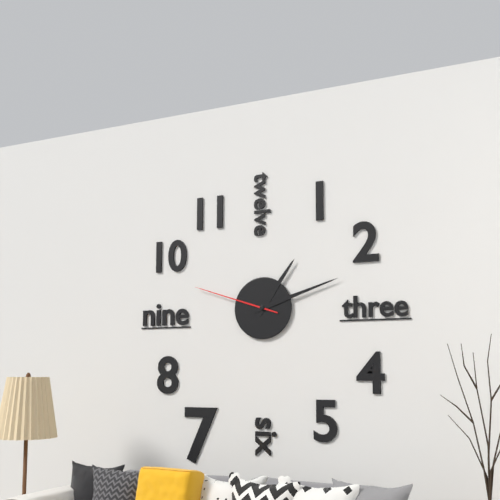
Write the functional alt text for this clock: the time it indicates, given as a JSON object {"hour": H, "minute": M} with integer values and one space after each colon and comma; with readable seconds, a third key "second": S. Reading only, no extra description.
{"hour": 1, "minute": 12, "second": 48}
